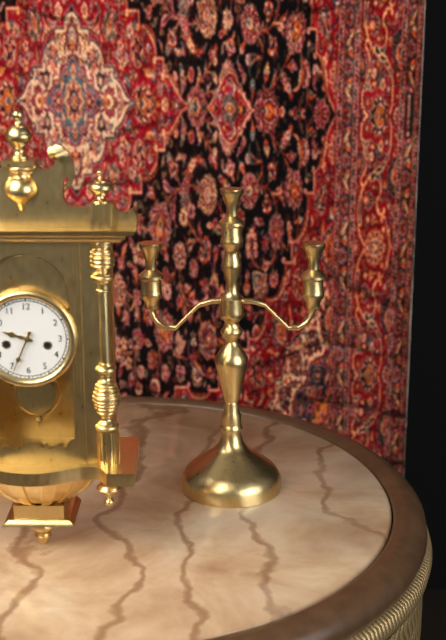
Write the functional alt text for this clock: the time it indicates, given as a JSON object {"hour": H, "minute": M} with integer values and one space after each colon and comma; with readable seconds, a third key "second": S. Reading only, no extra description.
{"hour": 9, "minute": 34}
